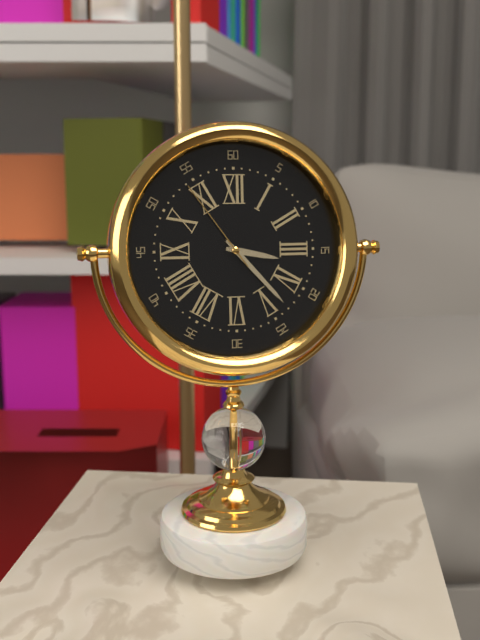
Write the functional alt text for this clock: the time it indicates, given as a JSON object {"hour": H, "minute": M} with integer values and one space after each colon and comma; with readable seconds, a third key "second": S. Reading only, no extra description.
{"hour": 3, "minute": 23, "second": 54}
